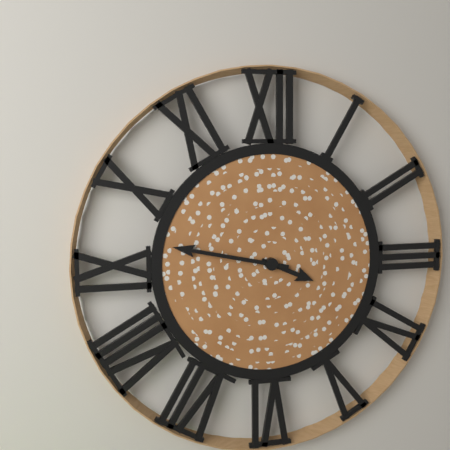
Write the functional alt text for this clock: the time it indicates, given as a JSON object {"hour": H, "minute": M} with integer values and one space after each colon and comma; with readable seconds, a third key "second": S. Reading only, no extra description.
{"hour": 3, "minute": 47}
